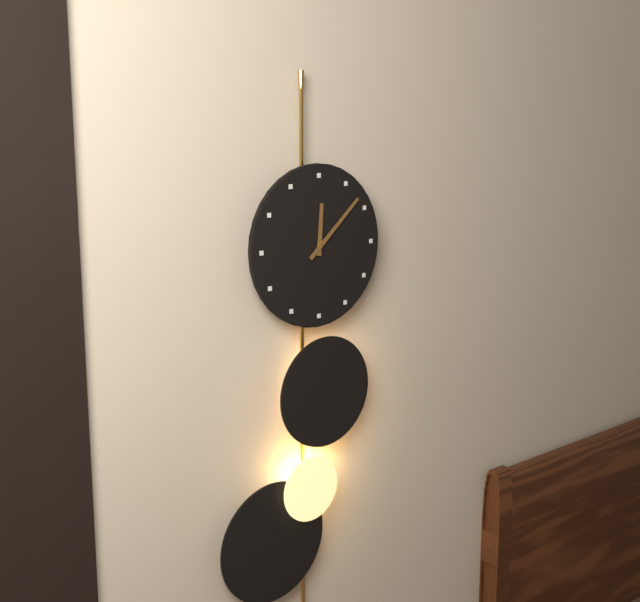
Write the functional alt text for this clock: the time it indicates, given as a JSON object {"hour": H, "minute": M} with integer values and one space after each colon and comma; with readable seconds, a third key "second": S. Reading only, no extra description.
{"hour": 12, "minute": 8}
